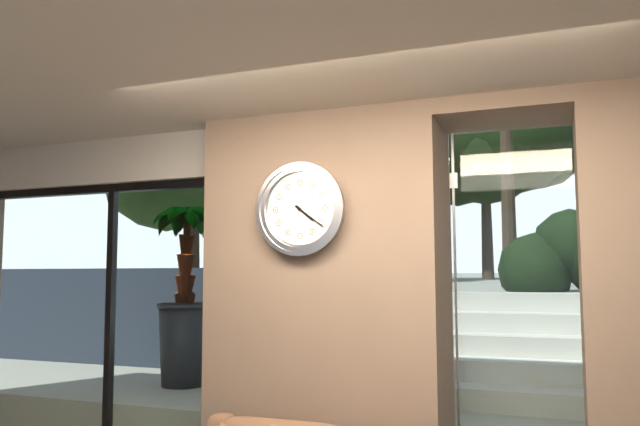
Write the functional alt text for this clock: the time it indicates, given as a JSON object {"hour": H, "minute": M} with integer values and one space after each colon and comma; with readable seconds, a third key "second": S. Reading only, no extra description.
{"hour": 4, "minute": 21}
